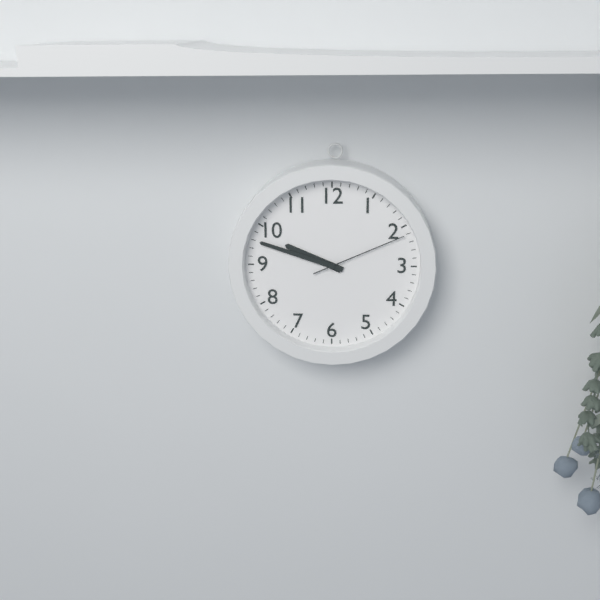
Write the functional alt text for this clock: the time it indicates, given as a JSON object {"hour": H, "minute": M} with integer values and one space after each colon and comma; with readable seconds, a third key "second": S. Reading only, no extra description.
{"hour": 9, "minute": 48, "second": 11}
